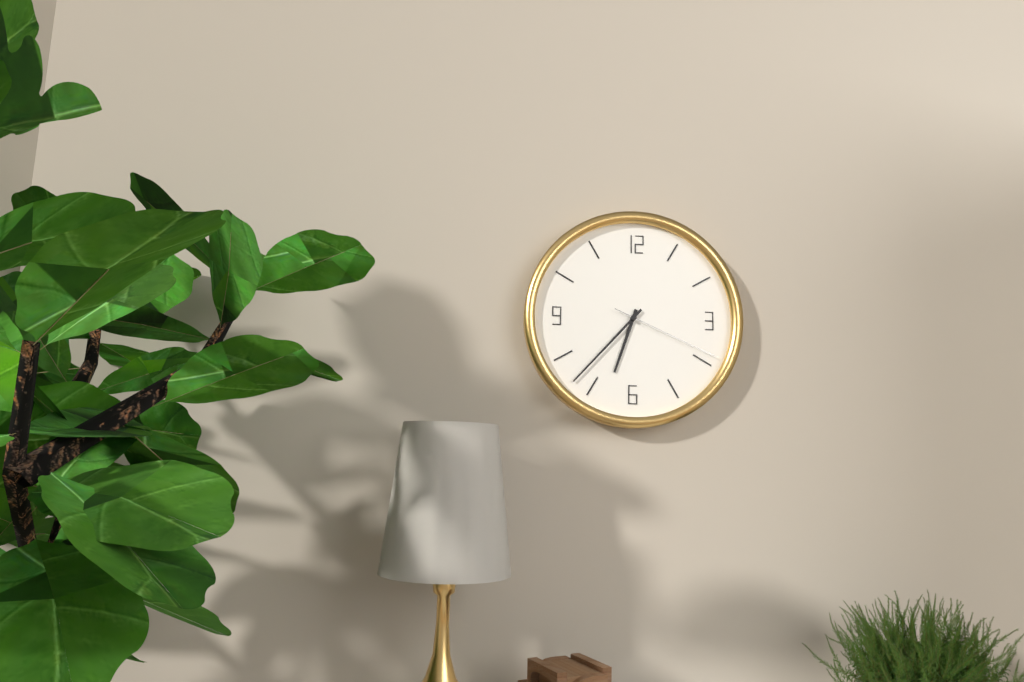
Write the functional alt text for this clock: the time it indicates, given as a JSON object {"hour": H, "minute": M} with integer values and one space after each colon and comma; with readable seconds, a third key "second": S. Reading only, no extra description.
{"hour": 6, "minute": 37, "second": 19}
